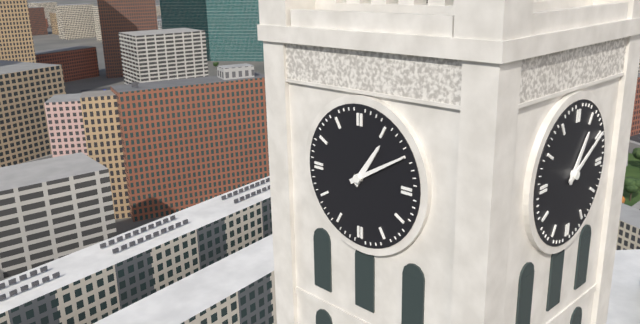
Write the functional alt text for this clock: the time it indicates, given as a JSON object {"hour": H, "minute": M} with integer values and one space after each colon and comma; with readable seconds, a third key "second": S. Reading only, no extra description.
{"hour": 1, "minute": 10}
